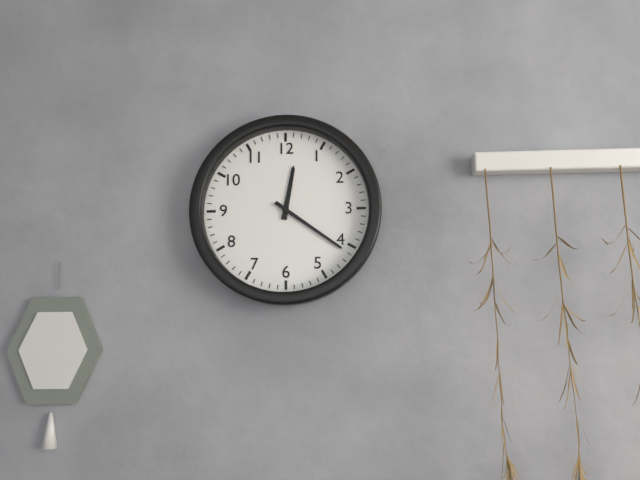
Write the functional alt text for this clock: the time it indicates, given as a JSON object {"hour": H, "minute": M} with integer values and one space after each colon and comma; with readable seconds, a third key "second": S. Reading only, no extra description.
{"hour": 12, "minute": 21}
